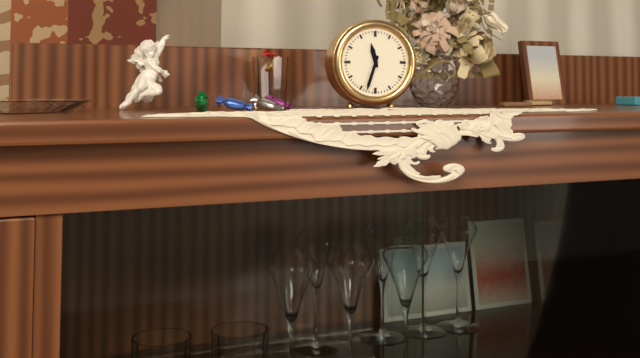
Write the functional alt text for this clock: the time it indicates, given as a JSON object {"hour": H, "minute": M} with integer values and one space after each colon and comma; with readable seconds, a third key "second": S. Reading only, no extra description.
{"hour": 11, "minute": 33}
